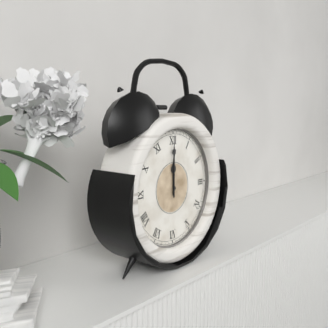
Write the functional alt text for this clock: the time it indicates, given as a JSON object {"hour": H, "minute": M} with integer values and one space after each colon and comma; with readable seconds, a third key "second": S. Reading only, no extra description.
{"hour": 12, "minute": 0}
